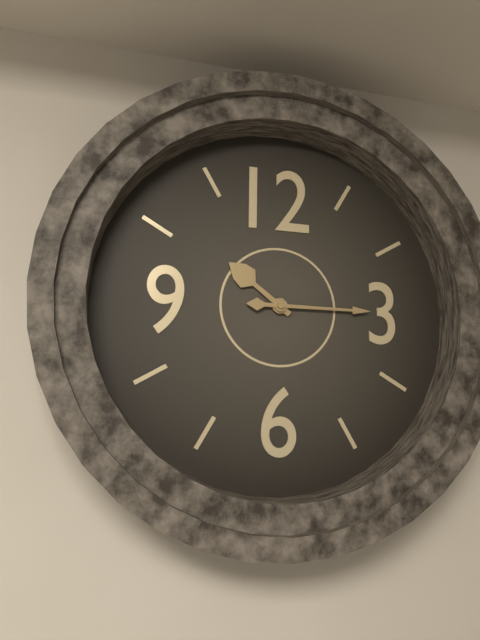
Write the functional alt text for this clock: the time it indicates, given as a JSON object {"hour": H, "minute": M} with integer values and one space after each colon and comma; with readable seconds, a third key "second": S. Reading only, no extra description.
{"hour": 10, "minute": 15}
